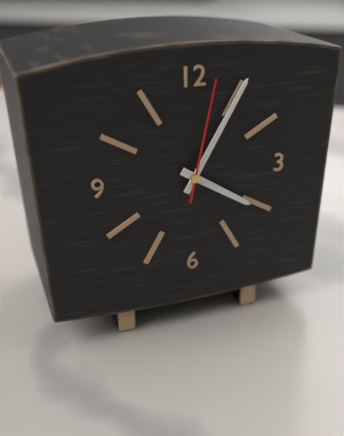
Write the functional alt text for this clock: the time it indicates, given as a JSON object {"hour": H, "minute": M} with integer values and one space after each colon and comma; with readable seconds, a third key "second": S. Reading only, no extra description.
{"hour": 4, "minute": 5, "second": 2}
